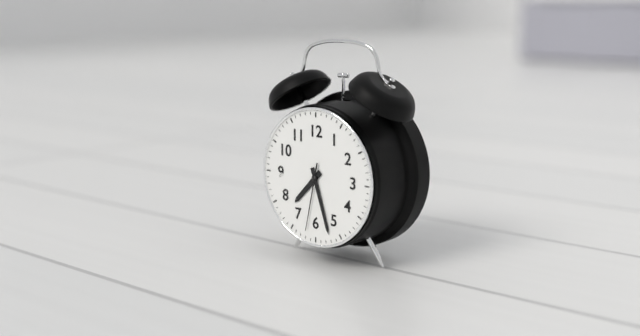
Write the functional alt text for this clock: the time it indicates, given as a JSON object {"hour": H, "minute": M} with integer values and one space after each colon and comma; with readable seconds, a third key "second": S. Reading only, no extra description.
{"hour": 7, "minute": 27, "second": 32}
